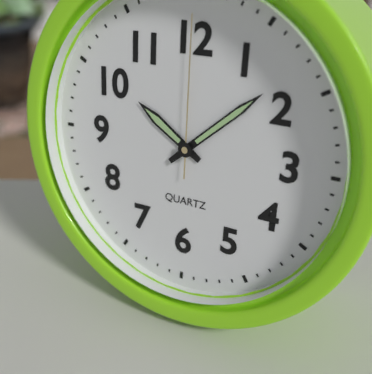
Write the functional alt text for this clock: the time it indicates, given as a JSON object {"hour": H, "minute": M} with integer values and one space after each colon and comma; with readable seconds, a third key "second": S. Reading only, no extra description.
{"hour": 10, "minute": 8, "second": 0}
